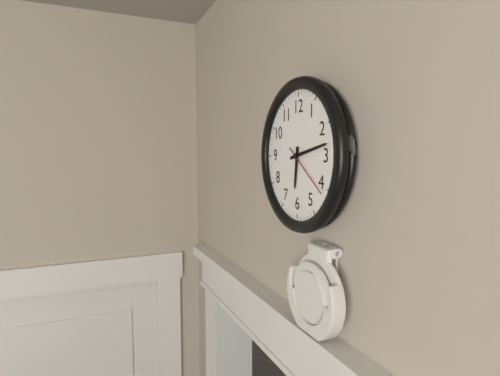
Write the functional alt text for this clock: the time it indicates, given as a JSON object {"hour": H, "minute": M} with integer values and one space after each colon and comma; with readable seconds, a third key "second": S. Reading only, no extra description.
{"hour": 6, "minute": 13, "second": 21}
